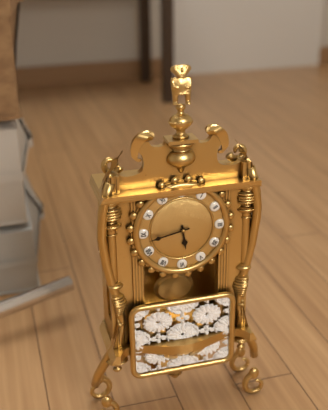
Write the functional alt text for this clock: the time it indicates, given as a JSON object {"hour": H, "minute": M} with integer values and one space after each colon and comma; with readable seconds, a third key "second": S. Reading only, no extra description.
{"hour": 5, "minute": 43}
